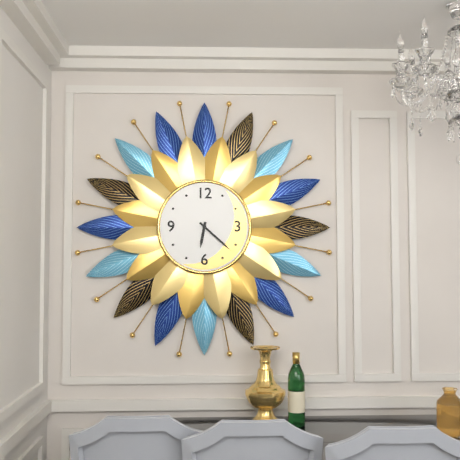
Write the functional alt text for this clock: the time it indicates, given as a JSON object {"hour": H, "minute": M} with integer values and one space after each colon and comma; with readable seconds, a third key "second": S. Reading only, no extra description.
{"hour": 6, "minute": 22}
